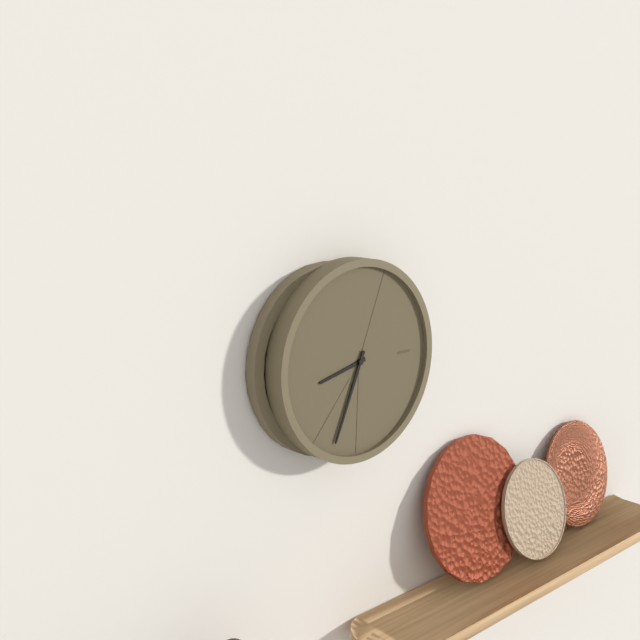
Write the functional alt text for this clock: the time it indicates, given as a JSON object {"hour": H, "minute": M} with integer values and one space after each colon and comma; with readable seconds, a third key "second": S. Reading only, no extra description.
{"hour": 8, "minute": 34}
